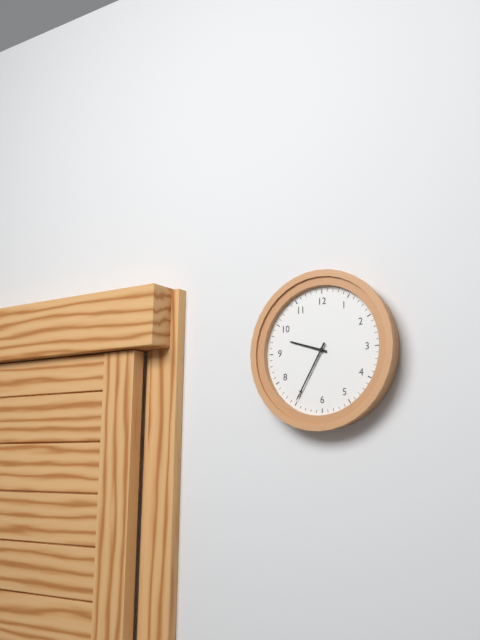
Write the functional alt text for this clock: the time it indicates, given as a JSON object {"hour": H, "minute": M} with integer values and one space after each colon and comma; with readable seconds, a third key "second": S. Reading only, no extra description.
{"hour": 9, "minute": 35}
